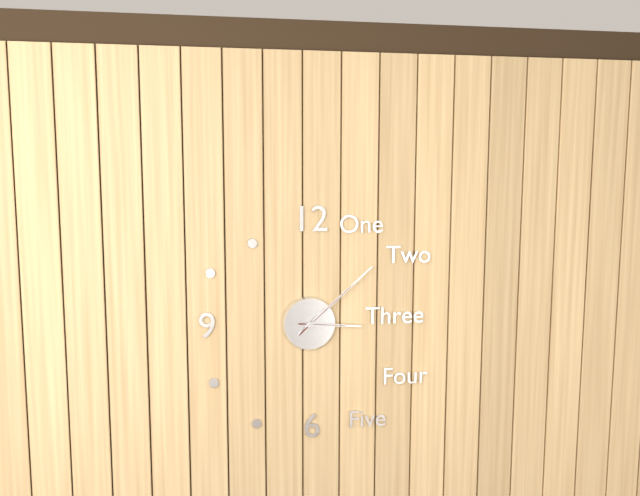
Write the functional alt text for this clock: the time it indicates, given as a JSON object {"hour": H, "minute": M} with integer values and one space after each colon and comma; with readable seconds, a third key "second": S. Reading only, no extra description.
{"hour": 3, "minute": 8}
